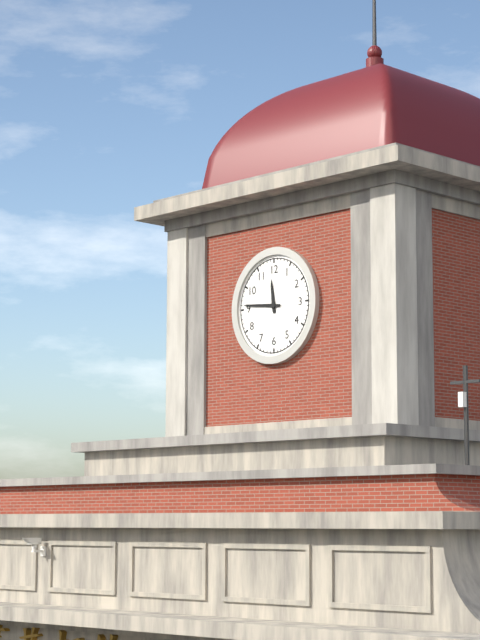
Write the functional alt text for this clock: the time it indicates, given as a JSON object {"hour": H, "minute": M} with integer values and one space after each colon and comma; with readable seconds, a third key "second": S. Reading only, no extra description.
{"hour": 11, "minute": 46}
